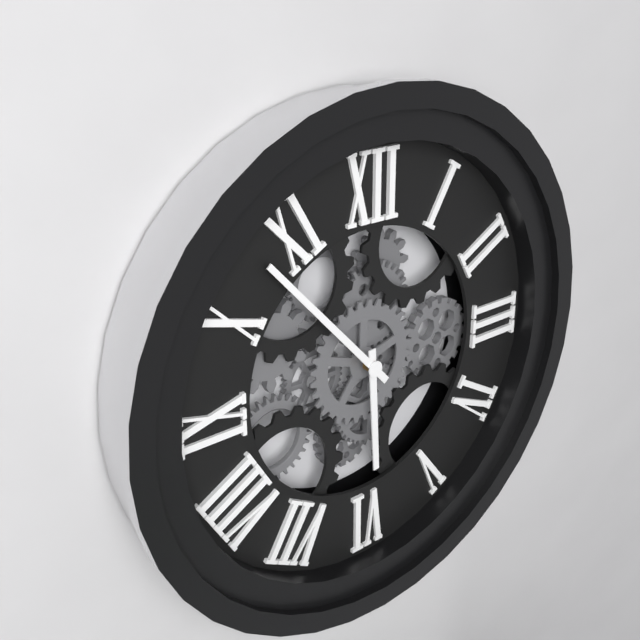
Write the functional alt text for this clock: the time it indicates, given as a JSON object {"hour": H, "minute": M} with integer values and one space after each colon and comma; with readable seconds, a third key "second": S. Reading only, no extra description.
{"hour": 5, "minute": 53}
